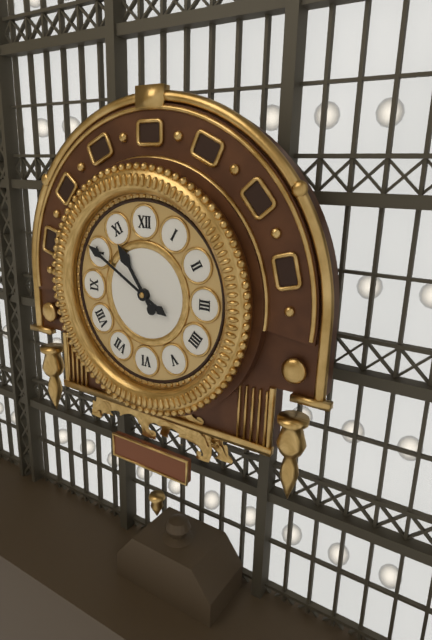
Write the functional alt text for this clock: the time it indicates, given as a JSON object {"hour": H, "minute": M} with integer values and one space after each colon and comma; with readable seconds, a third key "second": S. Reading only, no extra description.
{"hour": 10, "minute": 50}
